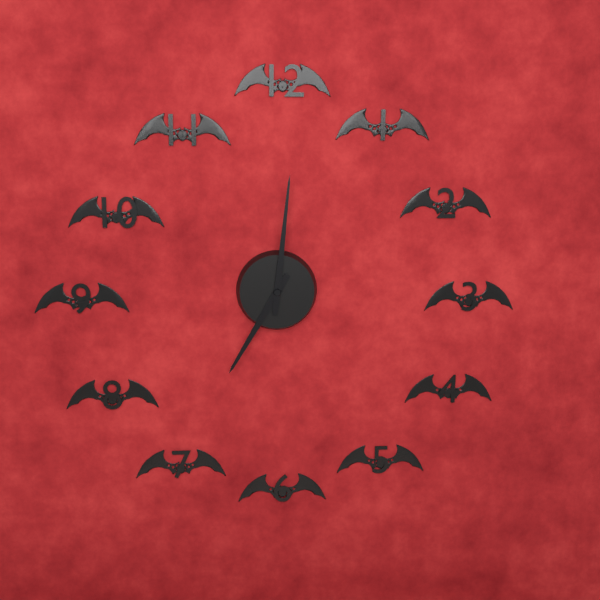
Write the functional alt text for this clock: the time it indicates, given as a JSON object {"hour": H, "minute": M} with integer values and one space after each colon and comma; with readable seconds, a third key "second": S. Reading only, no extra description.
{"hour": 7, "minute": 1}
